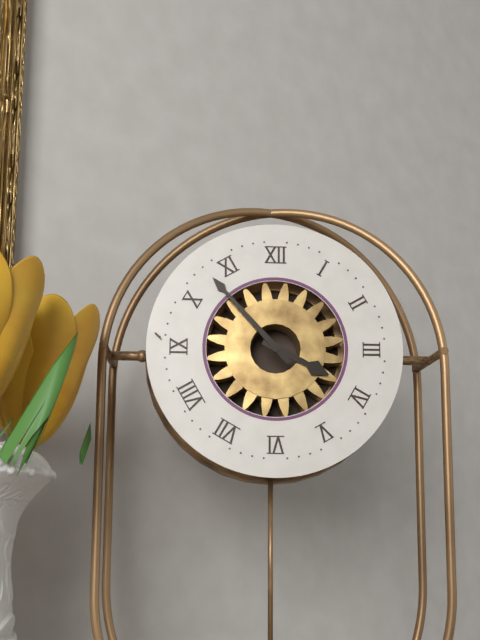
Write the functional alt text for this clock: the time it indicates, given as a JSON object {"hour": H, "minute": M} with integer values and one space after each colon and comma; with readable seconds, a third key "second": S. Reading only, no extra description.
{"hour": 3, "minute": 53}
